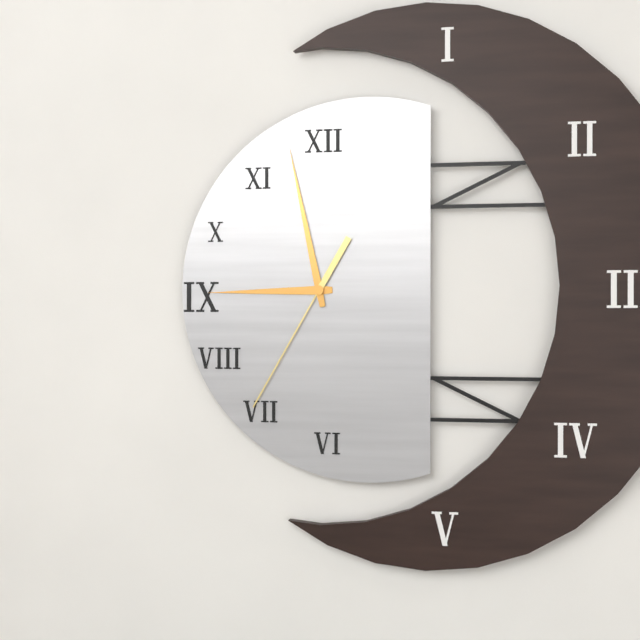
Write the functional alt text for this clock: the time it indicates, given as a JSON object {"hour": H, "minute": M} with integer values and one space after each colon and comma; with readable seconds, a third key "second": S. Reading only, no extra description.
{"hour": 8, "minute": 58, "second": 35}
